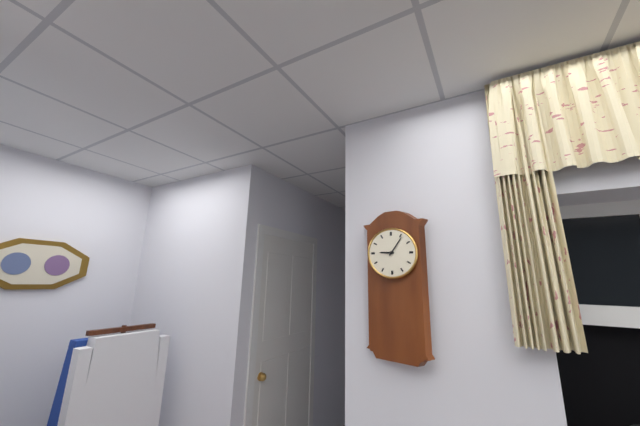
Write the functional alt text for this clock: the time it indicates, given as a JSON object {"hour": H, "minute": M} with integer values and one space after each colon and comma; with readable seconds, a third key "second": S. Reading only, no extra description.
{"hour": 9, "minute": 6}
